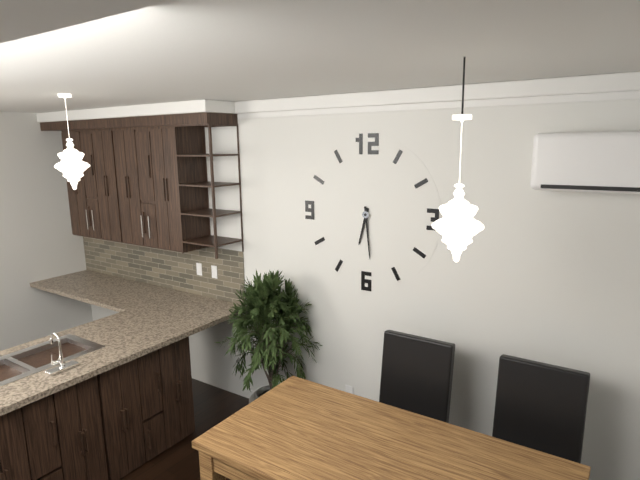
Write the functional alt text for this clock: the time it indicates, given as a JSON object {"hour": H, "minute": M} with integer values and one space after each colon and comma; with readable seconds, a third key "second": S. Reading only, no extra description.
{"hour": 6, "minute": 29}
